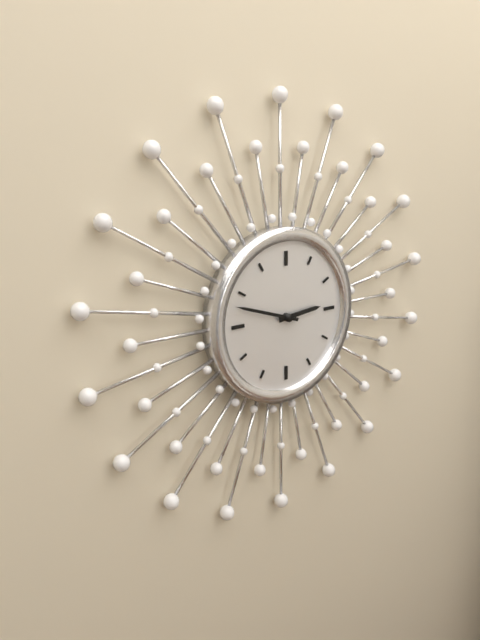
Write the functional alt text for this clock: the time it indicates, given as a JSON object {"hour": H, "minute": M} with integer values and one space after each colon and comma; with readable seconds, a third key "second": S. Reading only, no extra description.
{"hour": 2, "minute": 48}
